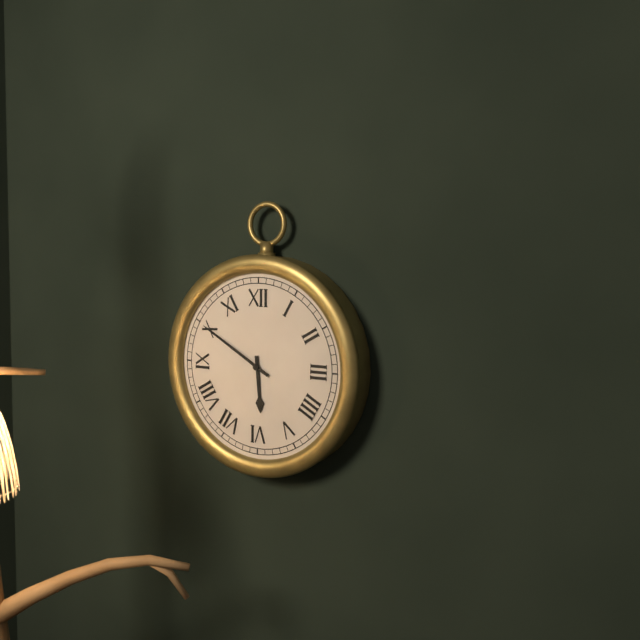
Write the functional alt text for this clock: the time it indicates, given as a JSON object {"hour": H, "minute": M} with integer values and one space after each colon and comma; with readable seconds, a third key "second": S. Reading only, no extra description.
{"hour": 5, "minute": 50}
